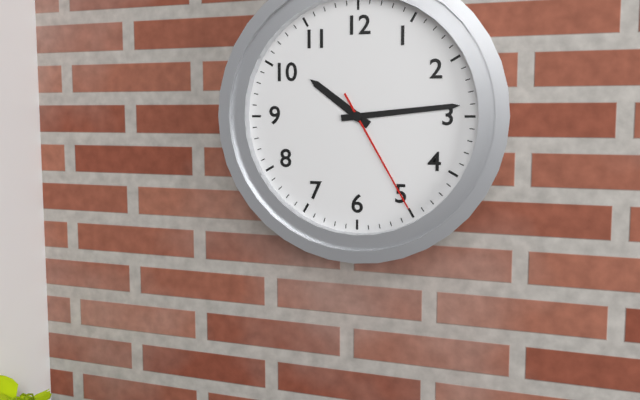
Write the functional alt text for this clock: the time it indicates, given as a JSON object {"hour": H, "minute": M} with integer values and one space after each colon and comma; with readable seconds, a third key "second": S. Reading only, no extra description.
{"hour": 10, "minute": 14, "second": 25}
